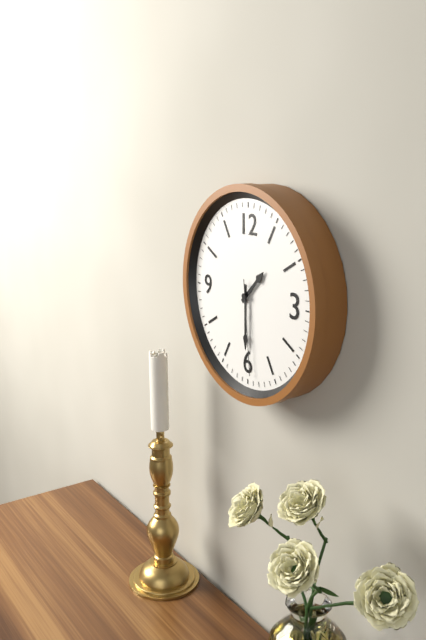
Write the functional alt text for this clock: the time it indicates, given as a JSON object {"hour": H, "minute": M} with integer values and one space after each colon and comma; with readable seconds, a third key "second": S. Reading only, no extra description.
{"hour": 1, "minute": 30, "second": 29}
